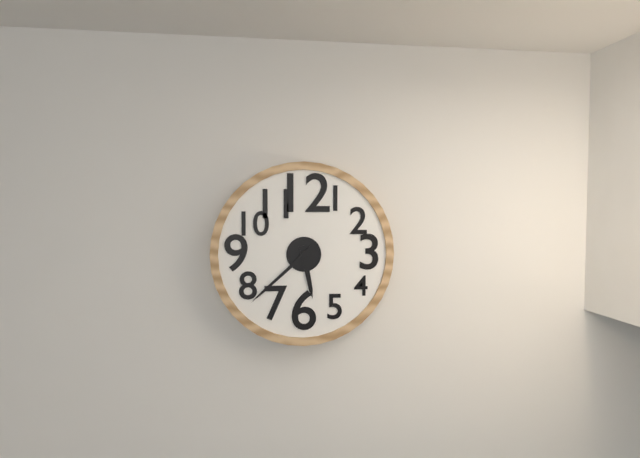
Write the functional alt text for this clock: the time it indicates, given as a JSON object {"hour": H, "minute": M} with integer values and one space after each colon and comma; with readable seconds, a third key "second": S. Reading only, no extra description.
{"hour": 5, "minute": 38}
